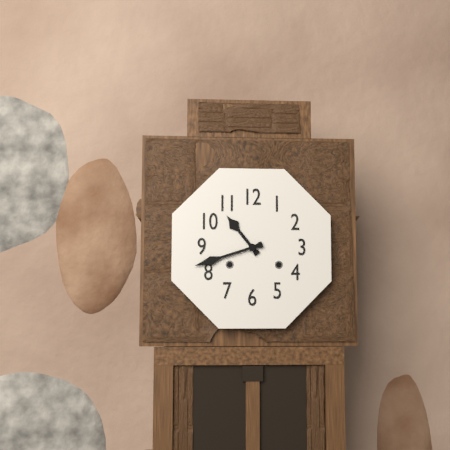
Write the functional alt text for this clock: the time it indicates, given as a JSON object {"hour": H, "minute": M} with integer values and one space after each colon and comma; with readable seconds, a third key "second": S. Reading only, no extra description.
{"hour": 10, "minute": 42}
